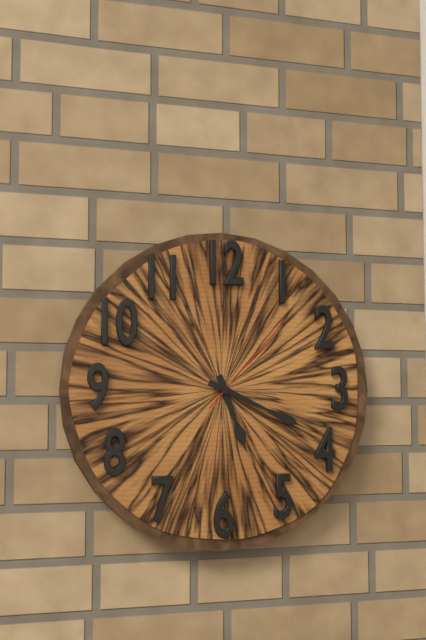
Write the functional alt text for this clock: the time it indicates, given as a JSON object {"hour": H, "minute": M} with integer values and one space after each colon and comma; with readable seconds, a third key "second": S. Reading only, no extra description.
{"hour": 5, "minute": 19, "second": 7}
